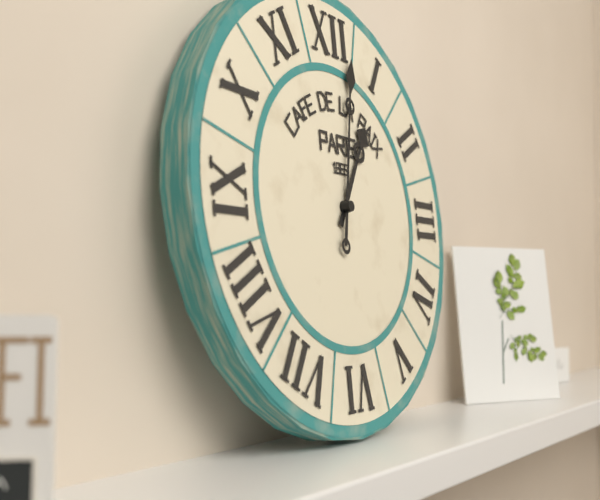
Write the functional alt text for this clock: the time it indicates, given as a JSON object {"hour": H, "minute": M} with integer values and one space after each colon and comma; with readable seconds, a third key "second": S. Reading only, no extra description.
{"hour": 1, "minute": 2}
